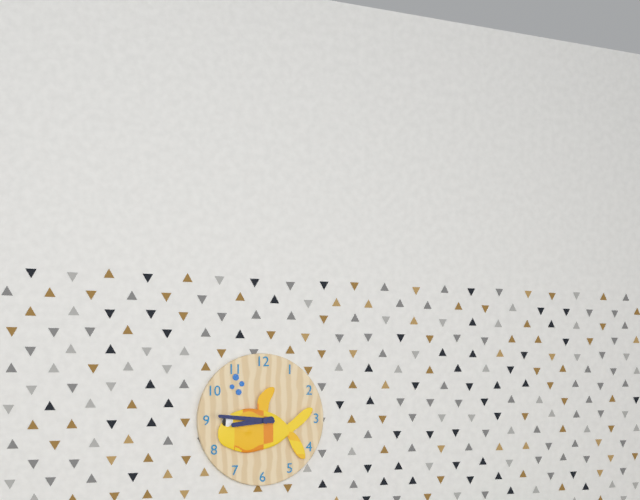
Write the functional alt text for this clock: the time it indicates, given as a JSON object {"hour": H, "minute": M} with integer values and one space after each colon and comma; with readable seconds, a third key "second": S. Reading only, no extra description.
{"hour": 8, "minute": 46}
